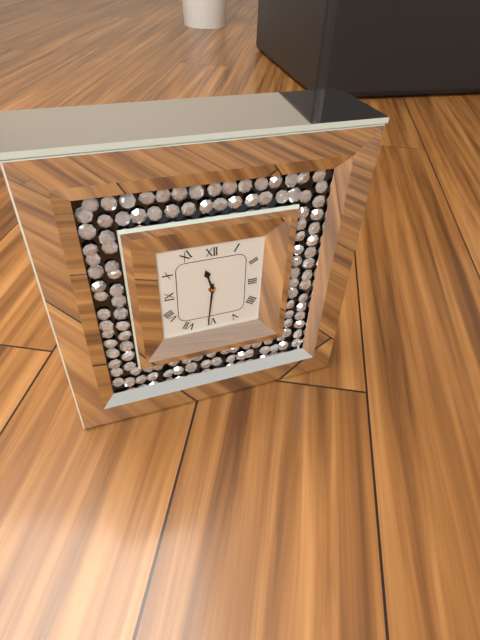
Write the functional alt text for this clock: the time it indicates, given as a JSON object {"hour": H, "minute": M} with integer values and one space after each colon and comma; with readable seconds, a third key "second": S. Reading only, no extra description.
{"hour": 11, "minute": 31}
